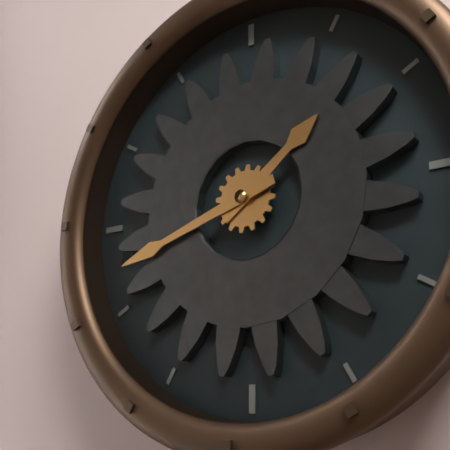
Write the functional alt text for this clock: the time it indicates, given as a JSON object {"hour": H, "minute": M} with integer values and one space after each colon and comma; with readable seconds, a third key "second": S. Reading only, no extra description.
{"hour": 1, "minute": 42}
